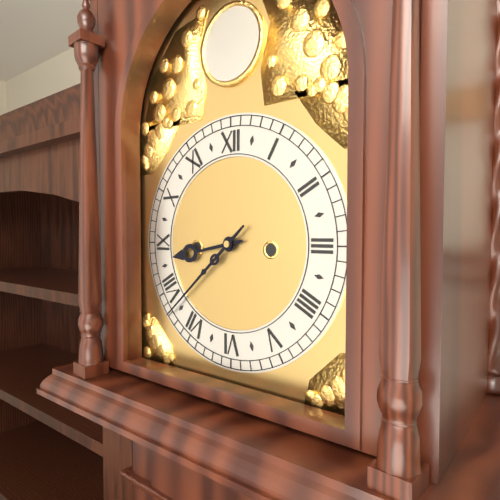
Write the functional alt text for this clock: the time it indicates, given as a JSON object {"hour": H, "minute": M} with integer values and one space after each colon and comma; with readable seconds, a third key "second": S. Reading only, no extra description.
{"hour": 8, "minute": 38}
